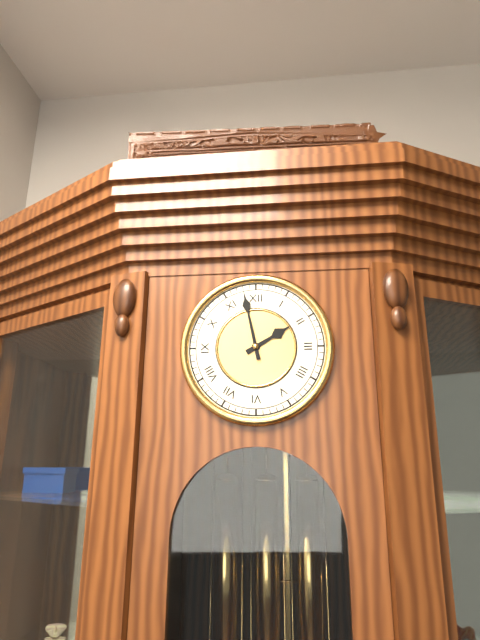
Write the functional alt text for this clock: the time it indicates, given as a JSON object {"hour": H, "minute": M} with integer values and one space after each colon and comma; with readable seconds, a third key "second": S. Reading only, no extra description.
{"hour": 1, "minute": 58}
